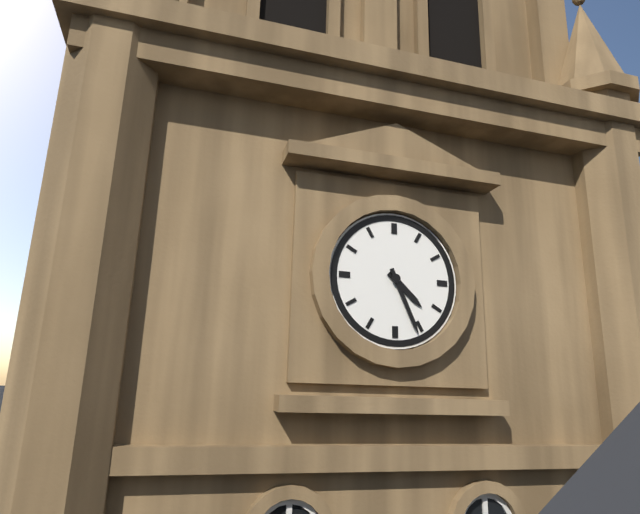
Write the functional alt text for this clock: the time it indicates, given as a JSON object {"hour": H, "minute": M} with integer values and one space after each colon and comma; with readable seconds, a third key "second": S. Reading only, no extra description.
{"hour": 4, "minute": 26}
